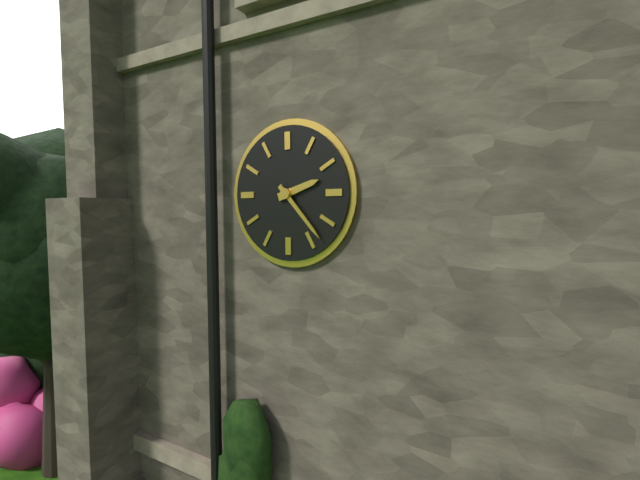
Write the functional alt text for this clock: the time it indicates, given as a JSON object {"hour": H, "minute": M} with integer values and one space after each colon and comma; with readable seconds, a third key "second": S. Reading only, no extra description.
{"hour": 2, "minute": 23}
